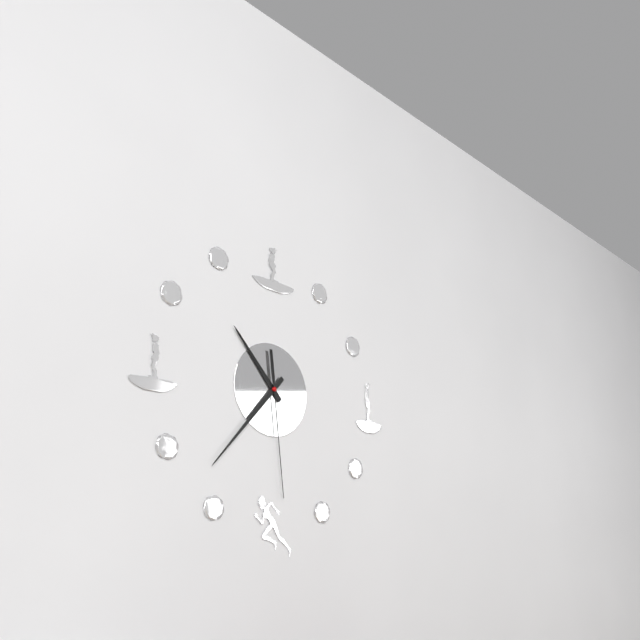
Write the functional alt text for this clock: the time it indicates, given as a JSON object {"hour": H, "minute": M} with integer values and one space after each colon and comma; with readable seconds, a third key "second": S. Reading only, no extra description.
{"hour": 10, "minute": 37, "second": 29}
